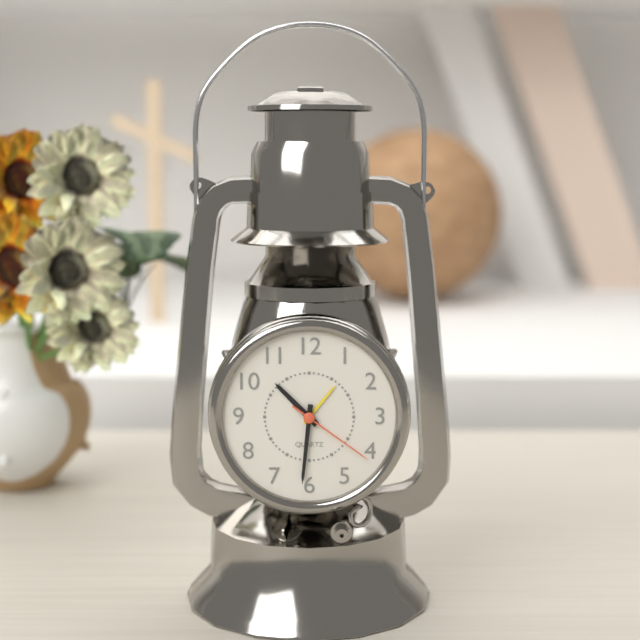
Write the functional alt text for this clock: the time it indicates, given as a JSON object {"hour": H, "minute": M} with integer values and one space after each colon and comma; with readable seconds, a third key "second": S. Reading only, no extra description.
{"hour": 10, "minute": 31, "second": 21}
